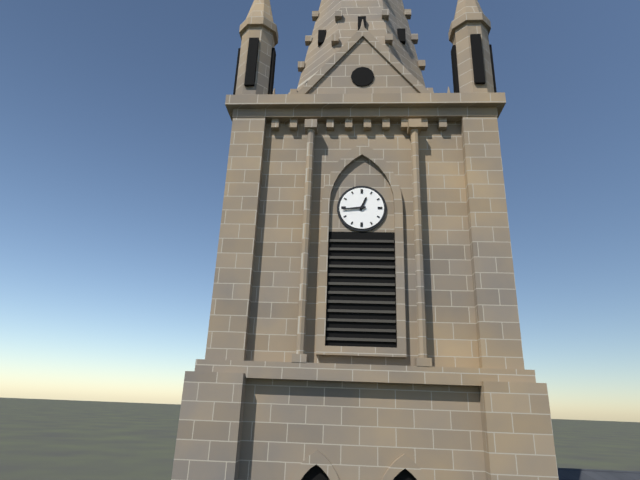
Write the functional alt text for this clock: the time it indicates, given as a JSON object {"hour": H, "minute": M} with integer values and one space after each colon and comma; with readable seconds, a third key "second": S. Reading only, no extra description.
{"hour": 12, "minute": 44}
